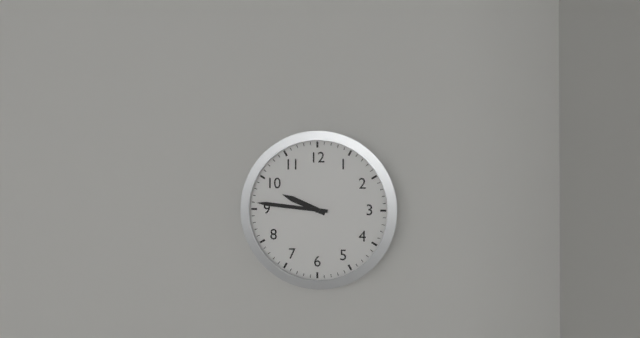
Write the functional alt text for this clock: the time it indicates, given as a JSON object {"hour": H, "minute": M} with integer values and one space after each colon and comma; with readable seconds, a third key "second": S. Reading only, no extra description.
{"hour": 9, "minute": 46}
